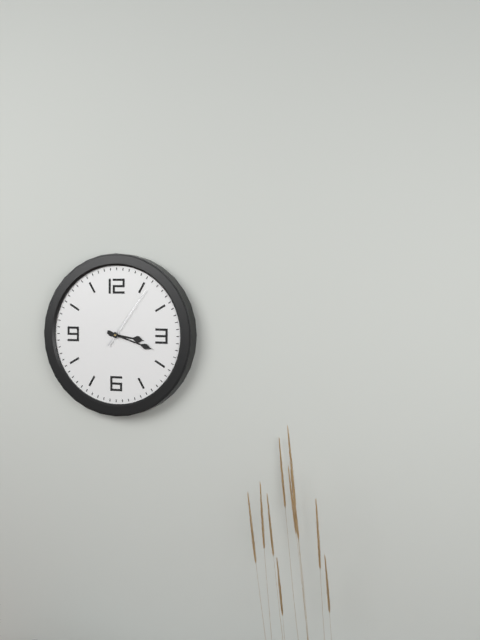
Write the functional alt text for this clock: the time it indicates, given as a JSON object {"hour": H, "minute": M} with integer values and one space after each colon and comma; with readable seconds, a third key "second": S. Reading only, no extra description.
{"hour": 3, "minute": 18, "second": 6}
